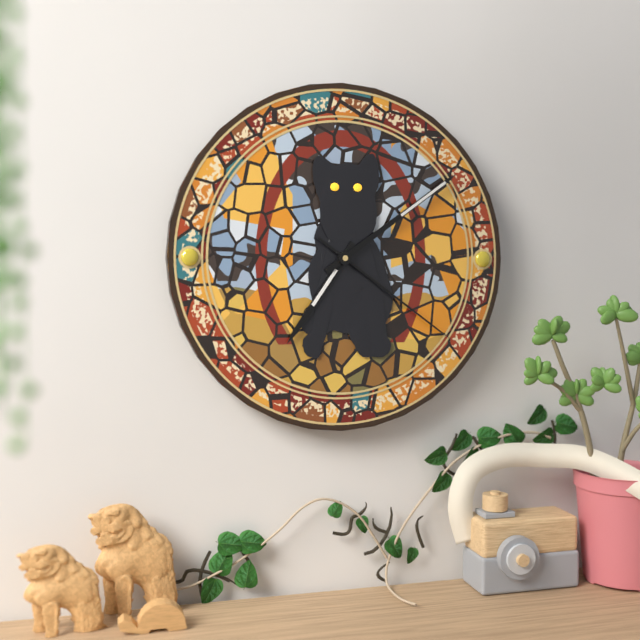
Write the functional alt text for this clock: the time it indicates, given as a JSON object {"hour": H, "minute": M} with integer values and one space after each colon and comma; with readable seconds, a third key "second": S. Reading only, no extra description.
{"hour": 7, "minute": 9, "second": 21}
